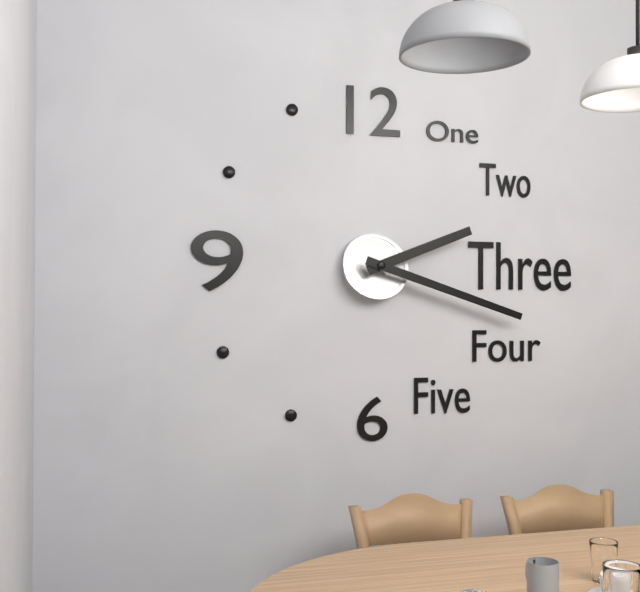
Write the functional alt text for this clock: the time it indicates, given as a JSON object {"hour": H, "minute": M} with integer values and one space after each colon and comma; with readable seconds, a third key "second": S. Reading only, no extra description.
{"hour": 2, "minute": 18}
